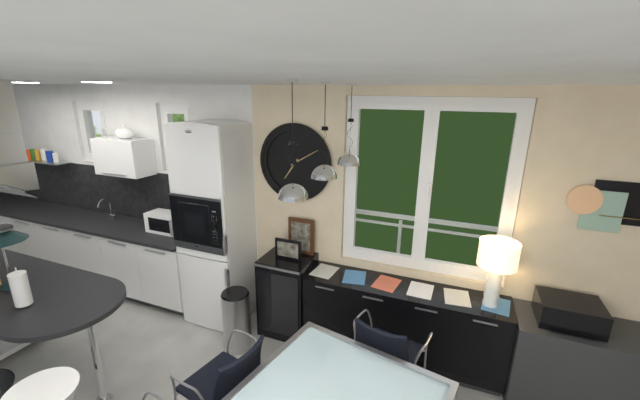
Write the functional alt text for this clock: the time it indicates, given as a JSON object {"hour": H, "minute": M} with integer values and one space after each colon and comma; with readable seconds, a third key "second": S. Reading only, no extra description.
{"hour": 7, "minute": 10}
